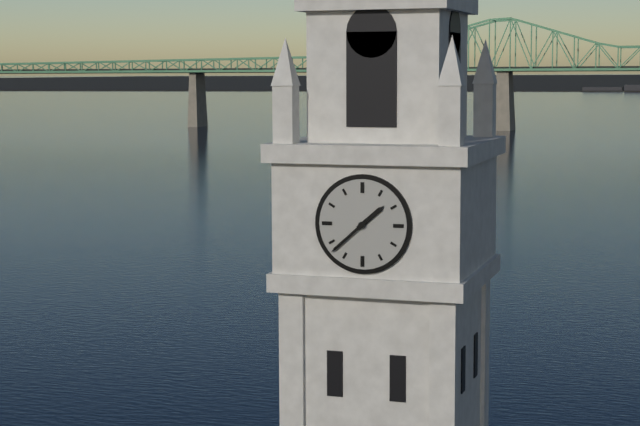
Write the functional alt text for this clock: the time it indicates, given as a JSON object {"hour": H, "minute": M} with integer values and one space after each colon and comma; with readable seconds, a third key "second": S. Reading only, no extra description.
{"hour": 1, "minute": 38}
